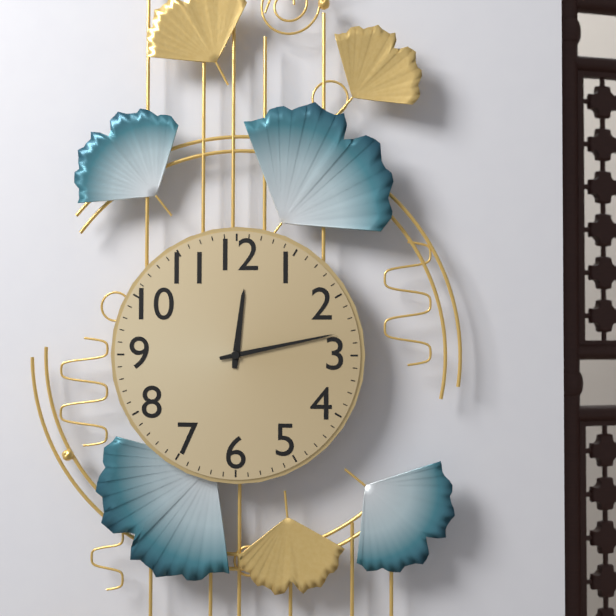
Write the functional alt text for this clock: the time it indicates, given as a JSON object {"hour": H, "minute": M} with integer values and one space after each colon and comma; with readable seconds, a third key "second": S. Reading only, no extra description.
{"hour": 12, "minute": 13}
